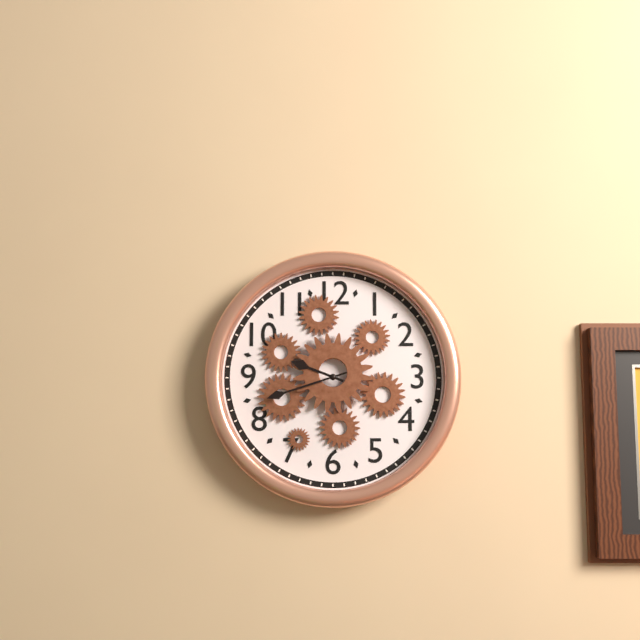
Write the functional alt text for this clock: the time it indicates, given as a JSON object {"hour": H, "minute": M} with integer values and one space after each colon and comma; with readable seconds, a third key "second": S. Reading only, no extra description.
{"hour": 9, "minute": 42}
